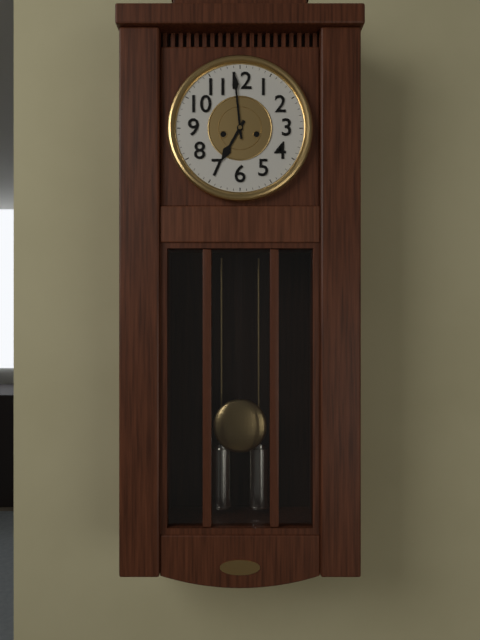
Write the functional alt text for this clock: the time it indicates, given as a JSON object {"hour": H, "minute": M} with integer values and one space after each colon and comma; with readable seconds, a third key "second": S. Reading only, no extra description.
{"hour": 6, "minute": 59}
